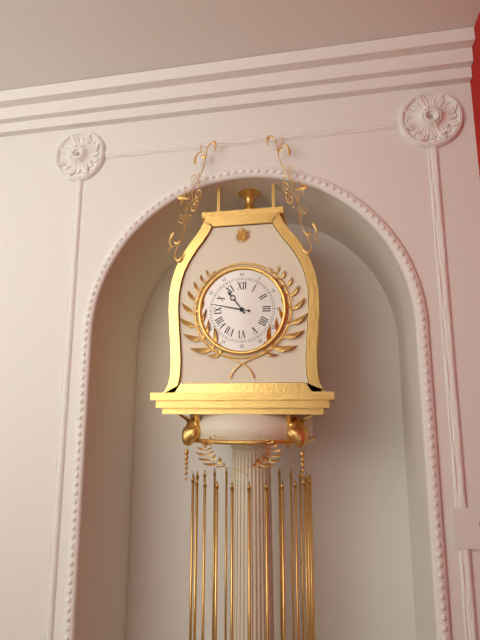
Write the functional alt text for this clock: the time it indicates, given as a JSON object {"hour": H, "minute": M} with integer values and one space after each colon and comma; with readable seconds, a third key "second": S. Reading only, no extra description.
{"hour": 10, "minute": 47}
